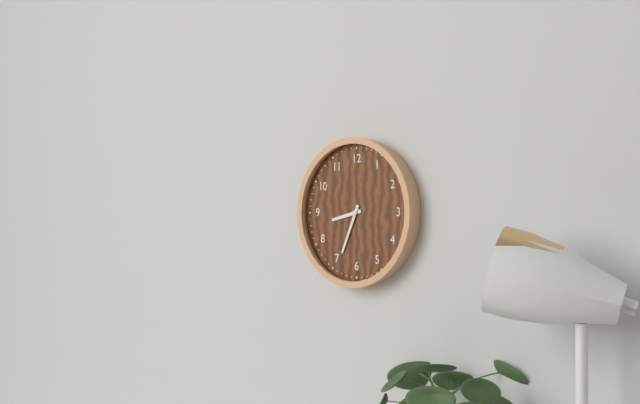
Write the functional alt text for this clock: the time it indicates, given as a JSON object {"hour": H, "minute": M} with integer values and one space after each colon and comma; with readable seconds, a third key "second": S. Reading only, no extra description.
{"hour": 8, "minute": 34}
